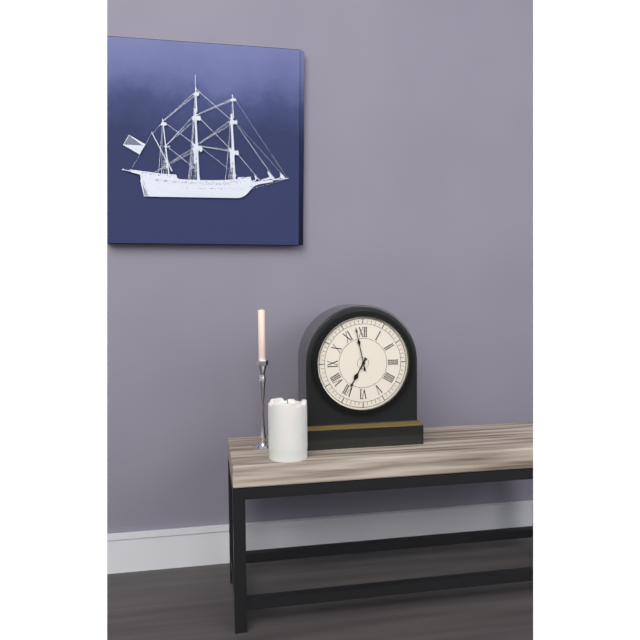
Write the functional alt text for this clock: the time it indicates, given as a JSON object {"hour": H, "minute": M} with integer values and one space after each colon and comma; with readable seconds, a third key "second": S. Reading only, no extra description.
{"hour": 6, "minute": 58}
